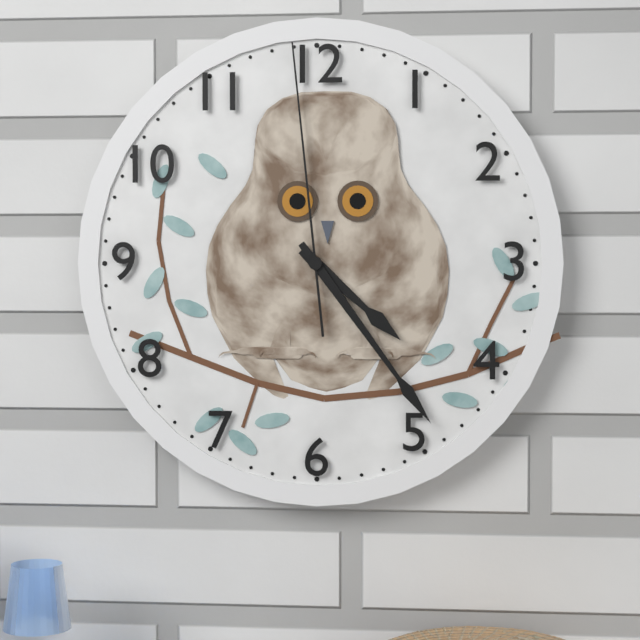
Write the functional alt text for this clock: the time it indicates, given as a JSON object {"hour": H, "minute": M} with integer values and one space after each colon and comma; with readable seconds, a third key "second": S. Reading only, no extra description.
{"hour": 4, "minute": 24, "second": 59}
